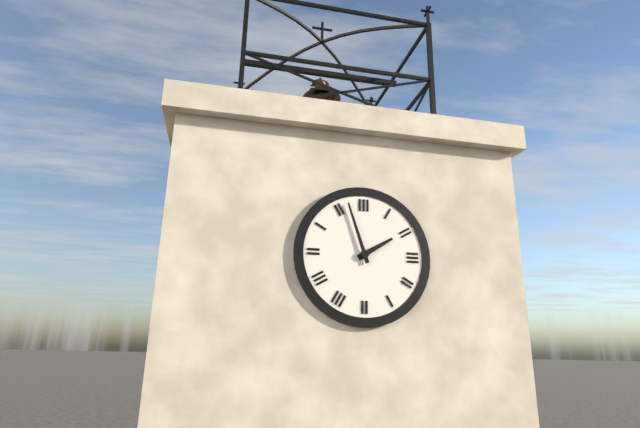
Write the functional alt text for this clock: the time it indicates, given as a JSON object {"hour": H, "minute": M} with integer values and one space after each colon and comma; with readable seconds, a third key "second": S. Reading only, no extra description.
{"hour": 1, "minute": 57}
